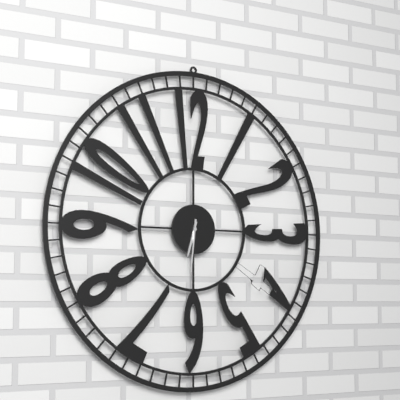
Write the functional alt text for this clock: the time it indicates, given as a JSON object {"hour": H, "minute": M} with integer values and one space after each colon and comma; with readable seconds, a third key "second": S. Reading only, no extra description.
{"hour": 6, "minute": 31}
